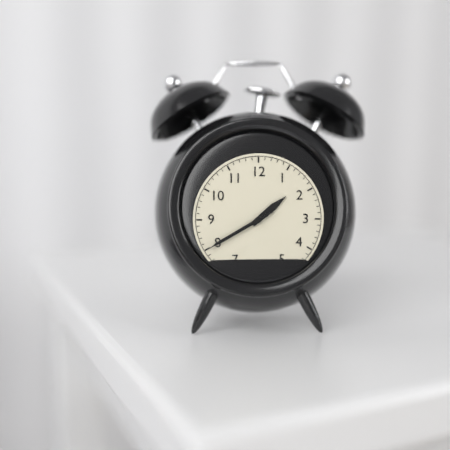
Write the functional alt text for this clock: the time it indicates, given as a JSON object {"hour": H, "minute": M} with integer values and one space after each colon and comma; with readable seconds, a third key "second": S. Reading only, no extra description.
{"hour": 1, "minute": 40, "second": 40}
